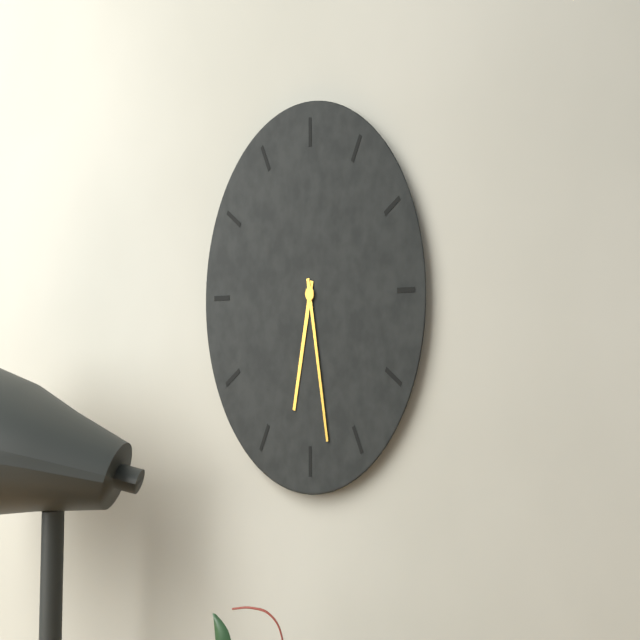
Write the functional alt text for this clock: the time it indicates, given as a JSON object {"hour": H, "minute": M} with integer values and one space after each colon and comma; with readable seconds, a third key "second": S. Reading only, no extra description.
{"hour": 6, "minute": 28}
